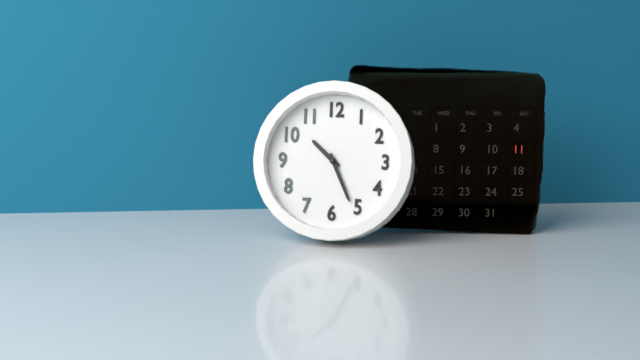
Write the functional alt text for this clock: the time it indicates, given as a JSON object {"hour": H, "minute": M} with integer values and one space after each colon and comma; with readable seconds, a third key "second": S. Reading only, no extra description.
{"hour": 10, "minute": 26}
